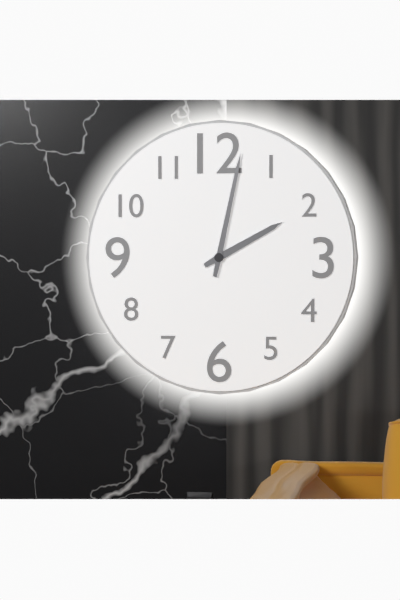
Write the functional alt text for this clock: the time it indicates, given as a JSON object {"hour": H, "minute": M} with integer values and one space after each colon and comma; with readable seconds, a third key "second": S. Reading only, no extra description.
{"hour": 2, "minute": 2}
